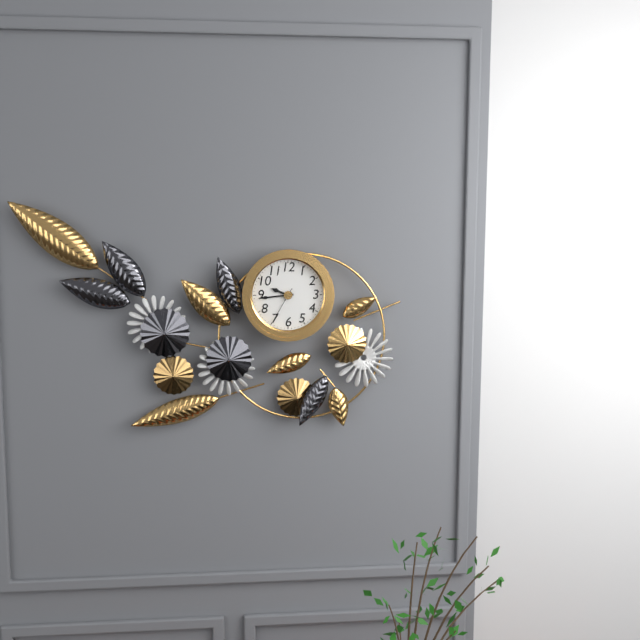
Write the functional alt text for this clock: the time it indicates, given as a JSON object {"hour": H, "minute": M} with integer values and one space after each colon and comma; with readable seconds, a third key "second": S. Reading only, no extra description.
{"hour": 9, "minute": 44}
